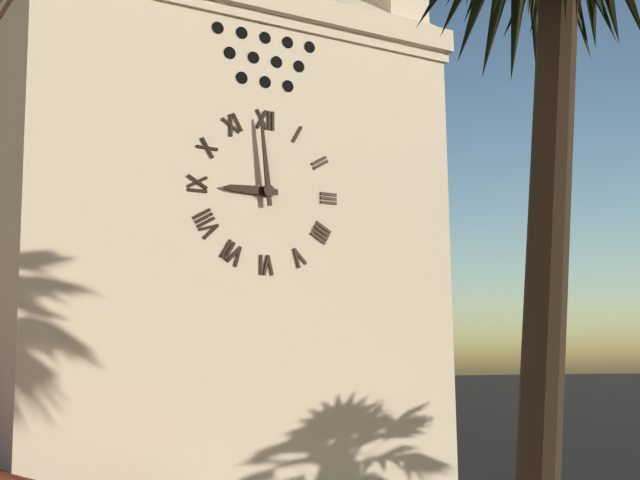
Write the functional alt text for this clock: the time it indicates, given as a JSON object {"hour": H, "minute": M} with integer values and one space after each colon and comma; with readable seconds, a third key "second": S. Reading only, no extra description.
{"hour": 8, "minute": 59}
